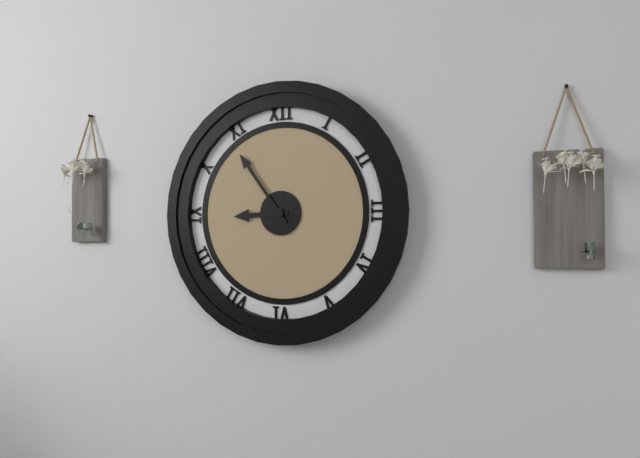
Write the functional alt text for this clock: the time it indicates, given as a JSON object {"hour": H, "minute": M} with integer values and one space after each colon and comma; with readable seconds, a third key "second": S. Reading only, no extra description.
{"hour": 8, "minute": 54}
